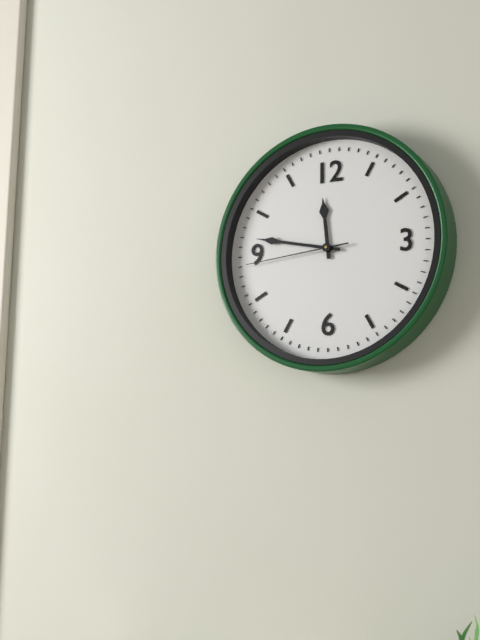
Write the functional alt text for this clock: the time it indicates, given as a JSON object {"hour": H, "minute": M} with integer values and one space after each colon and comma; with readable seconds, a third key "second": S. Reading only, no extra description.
{"hour": 11, "minute": 47, "second": 44}
